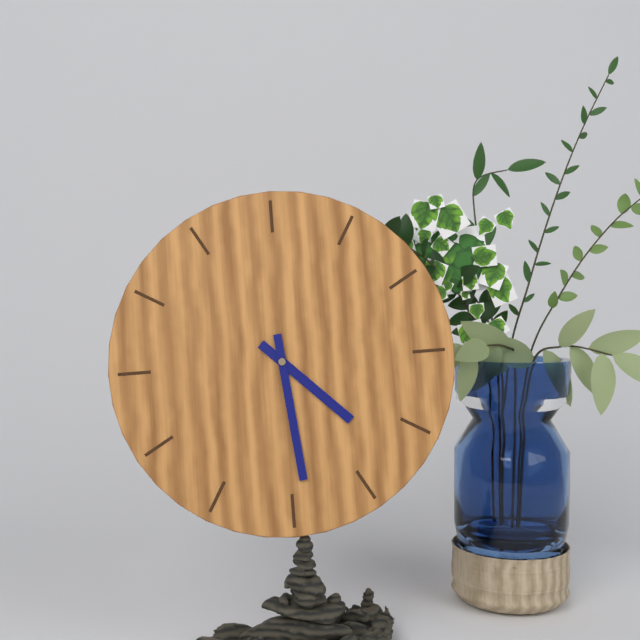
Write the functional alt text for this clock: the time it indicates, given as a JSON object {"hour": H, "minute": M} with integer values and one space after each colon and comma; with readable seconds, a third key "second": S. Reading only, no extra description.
{"hour": 4, "minute": 29}
